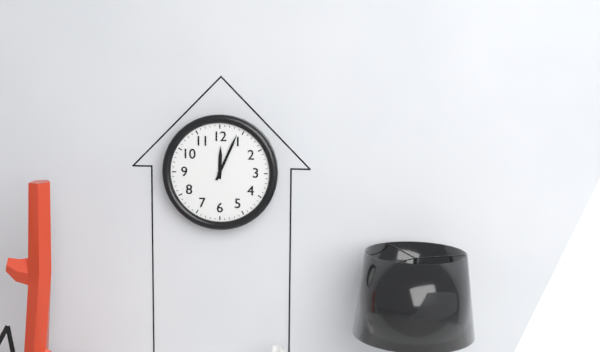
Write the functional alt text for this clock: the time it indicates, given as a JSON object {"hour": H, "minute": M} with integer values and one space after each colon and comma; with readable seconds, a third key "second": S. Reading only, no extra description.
{"hour": 12, "minute": 4}
